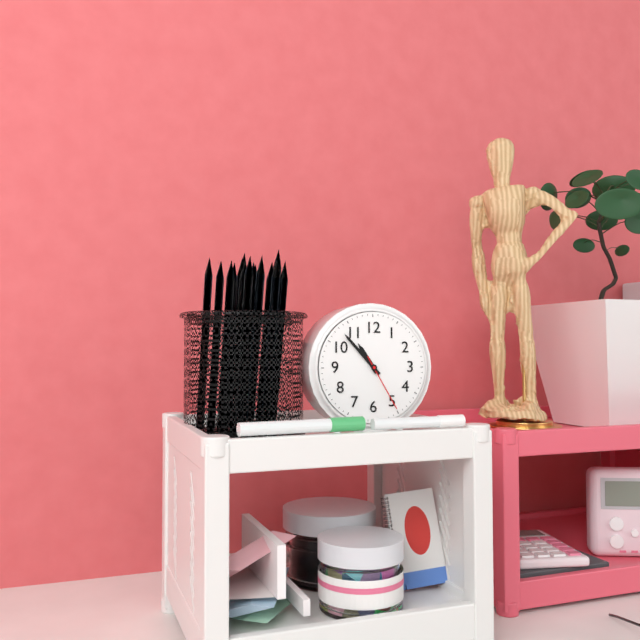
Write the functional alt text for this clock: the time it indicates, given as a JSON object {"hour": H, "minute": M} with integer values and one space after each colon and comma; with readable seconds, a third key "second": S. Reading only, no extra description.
{"hour": 10, "minute": 53, "second": 25}
